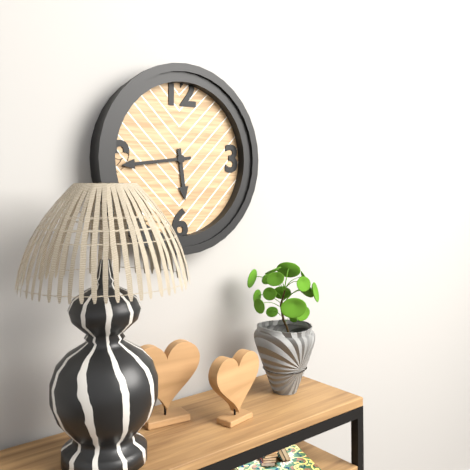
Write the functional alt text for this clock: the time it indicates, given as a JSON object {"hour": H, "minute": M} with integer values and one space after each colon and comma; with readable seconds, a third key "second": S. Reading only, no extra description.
{"hour": 5, "minute": 44}
